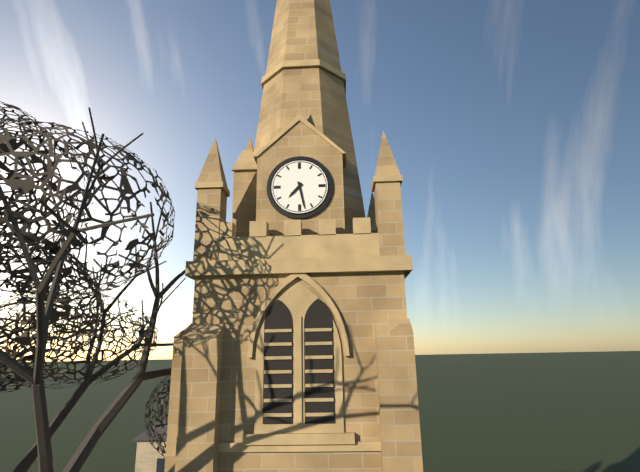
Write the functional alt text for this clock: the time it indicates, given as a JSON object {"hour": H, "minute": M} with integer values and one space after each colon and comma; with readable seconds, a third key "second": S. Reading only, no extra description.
{"hour": 7, "minute": 28}
